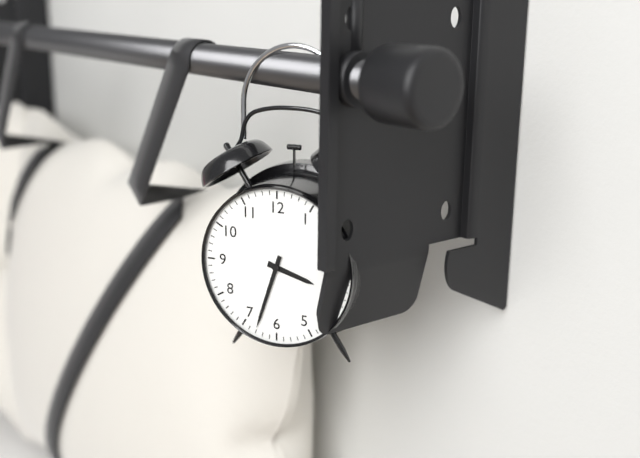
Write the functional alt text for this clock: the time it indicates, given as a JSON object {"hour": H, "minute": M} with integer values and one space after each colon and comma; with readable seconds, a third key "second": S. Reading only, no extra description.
{"hour": 3, "minute": 33}
